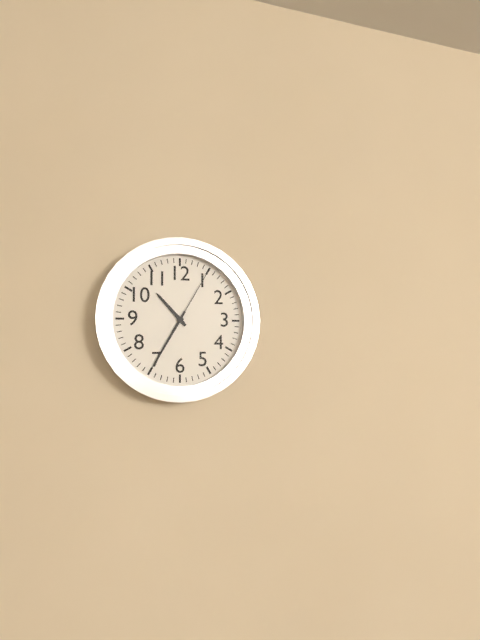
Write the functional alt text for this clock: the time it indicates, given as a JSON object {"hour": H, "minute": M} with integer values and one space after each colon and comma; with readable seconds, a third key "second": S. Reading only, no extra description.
{"hour": 10, "minute": 35, "second": 5}
